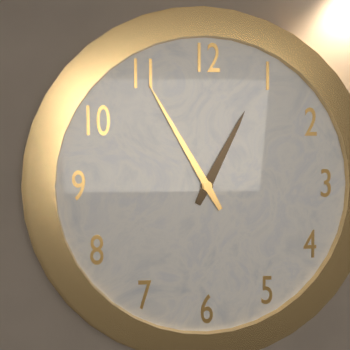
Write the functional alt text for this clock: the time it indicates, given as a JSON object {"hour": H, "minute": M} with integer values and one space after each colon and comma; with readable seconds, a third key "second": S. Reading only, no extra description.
{"hour": 12, "minute": 55}
